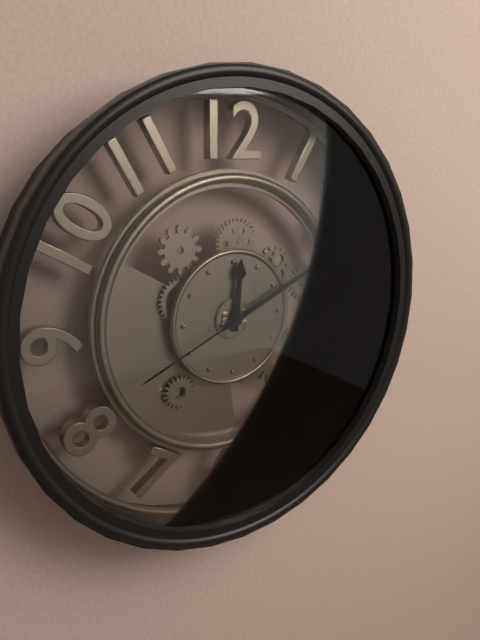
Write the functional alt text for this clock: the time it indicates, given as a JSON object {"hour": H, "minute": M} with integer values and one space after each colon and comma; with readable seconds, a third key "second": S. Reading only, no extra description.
{"hour": 12, "minute": 11, "second": 41}
